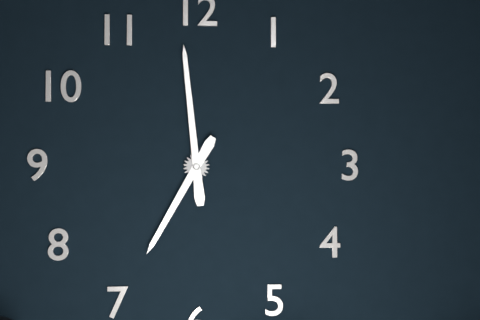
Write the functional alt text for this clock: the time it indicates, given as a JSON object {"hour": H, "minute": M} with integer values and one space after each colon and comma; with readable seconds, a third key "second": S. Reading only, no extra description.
{"hour": 6, "minute": 59}
